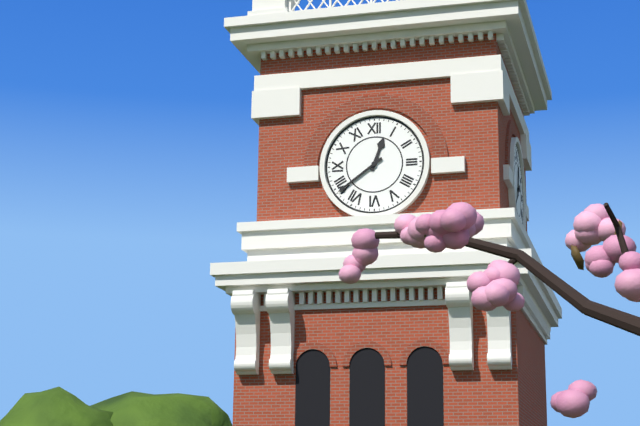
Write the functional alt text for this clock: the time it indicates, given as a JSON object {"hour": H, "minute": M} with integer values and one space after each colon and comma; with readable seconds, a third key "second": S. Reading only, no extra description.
{"hour": 12, "minute": 39}
